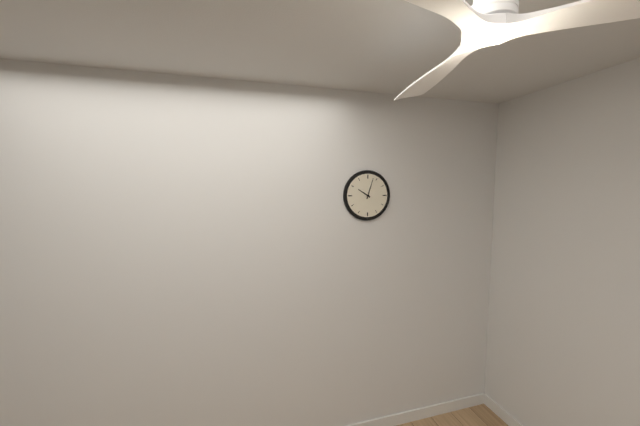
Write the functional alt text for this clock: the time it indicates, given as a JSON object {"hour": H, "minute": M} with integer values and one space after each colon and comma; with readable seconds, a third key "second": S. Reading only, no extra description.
{"hour": 10, "minute": 3}
